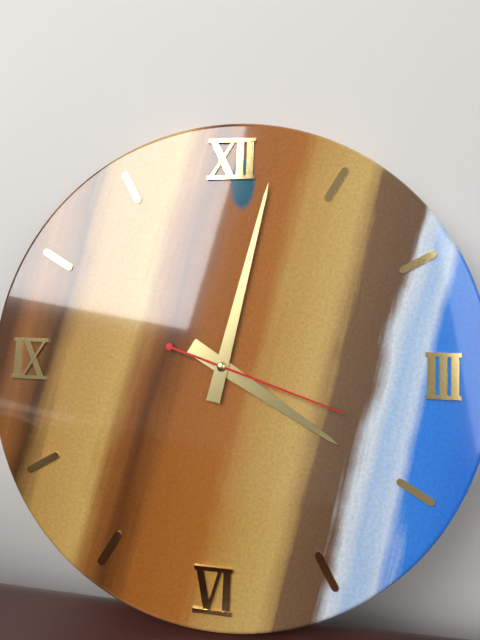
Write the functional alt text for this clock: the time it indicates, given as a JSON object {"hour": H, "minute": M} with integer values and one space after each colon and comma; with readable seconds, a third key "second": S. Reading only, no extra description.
{"hour": 4, "minute": 2, "second": 18}
